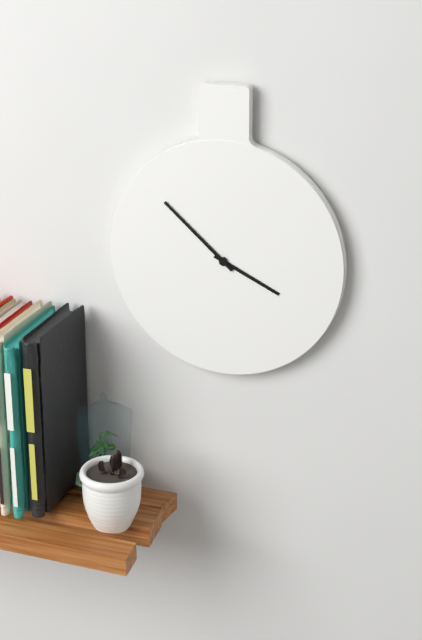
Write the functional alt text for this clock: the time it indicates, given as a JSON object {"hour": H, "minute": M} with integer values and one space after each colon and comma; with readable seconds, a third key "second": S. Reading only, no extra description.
{"hour": 3, "minute": 52}
